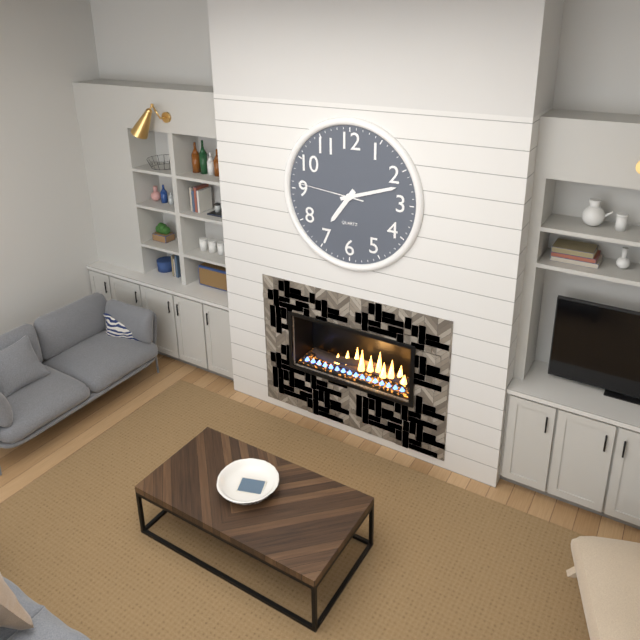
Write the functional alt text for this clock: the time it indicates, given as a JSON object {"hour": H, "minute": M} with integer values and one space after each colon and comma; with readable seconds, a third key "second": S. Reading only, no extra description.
{"hour": 7, "minute": 12, "second": 46}
